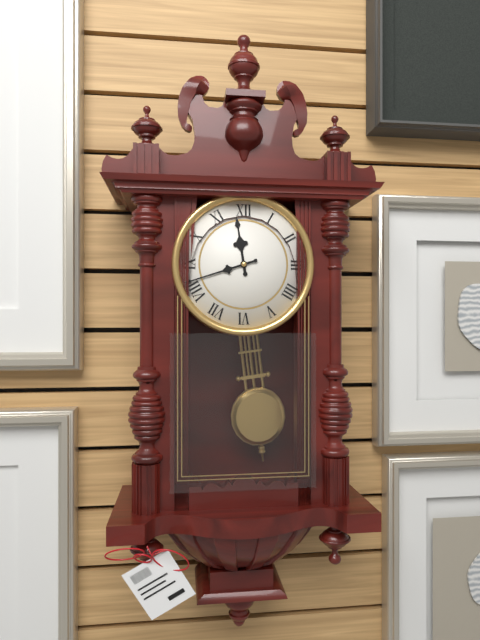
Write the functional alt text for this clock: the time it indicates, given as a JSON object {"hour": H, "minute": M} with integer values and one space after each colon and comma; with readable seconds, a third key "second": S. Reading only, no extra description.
{"hour": 11, "minute": 42}
